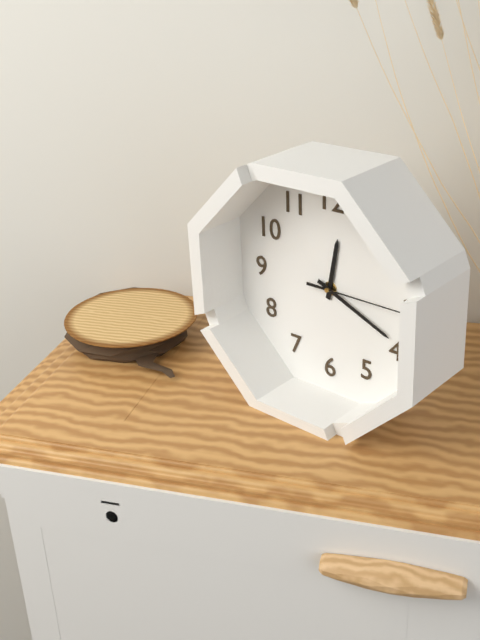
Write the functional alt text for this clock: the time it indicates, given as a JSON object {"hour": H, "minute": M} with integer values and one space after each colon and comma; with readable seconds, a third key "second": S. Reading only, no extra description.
{"hour": 12, "minute": 19, "second": 15}
